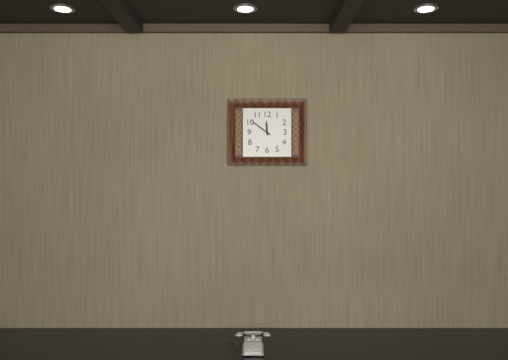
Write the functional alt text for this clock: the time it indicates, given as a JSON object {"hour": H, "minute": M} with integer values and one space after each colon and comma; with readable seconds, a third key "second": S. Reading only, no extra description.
{"hour": 11, "minute": 51}
